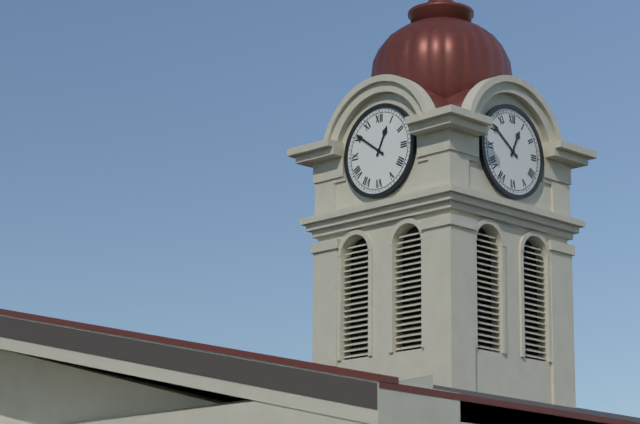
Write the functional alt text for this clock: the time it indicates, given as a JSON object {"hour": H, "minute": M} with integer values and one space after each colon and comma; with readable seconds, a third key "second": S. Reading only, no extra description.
{"hour": 12, "minute": 51}
